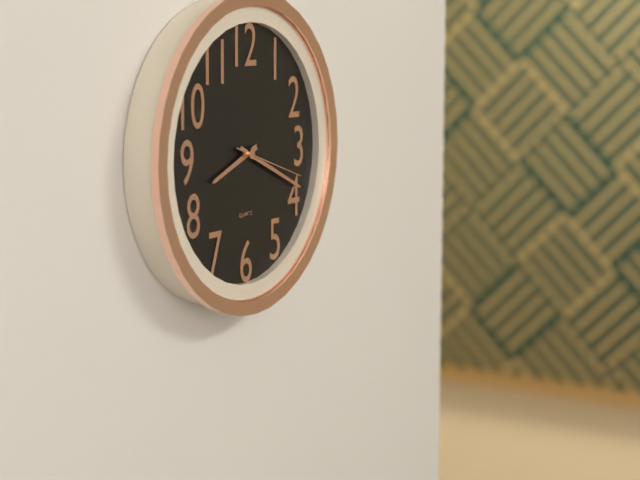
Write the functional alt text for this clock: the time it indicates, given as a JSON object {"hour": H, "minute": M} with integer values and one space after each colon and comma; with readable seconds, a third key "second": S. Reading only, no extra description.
{"hour": 8, "minute": 19, "second": 18}
